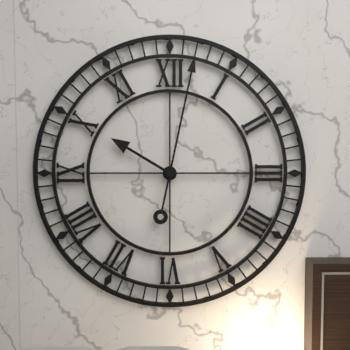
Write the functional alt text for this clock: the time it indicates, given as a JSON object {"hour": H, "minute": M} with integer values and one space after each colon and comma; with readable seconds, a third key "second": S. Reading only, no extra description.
{"hour": 10, "minute": 2}
